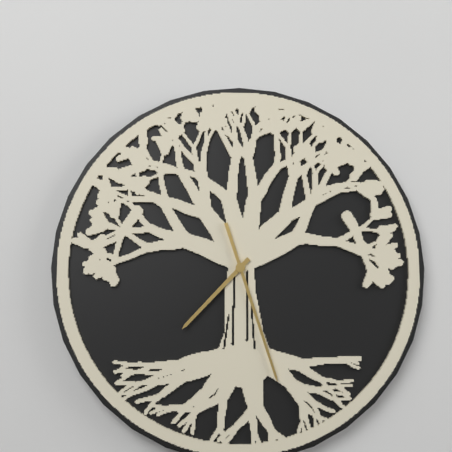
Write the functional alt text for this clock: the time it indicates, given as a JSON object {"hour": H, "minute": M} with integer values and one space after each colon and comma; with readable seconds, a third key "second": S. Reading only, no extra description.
{"hour": 7, "minute": 27}
